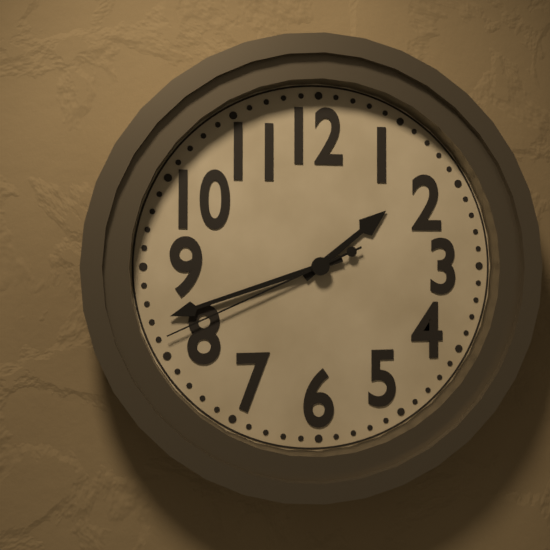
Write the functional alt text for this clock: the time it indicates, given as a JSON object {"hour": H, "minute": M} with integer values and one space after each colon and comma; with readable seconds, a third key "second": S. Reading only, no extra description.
{"hour": 1, "minute": 42, "second": 41}
